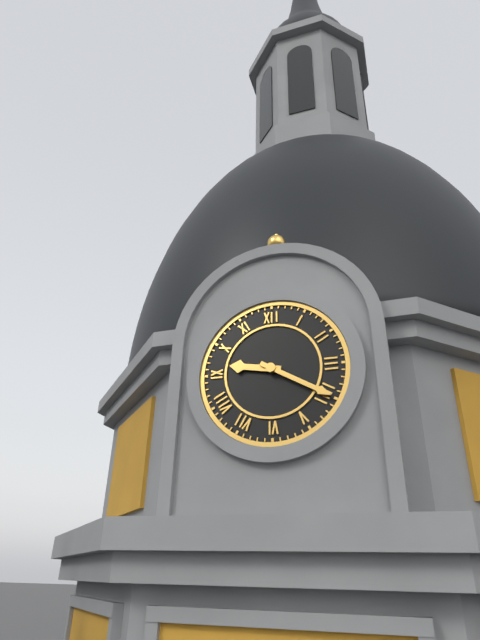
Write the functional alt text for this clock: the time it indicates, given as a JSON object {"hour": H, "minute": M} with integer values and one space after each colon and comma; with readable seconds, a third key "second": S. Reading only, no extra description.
{"hour": 9, "minute": 20}
